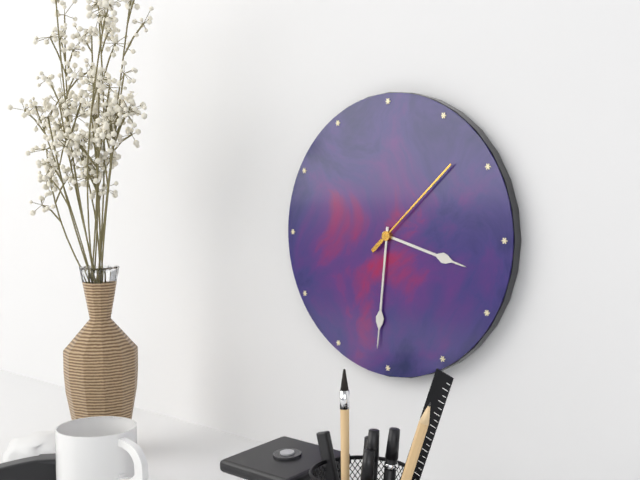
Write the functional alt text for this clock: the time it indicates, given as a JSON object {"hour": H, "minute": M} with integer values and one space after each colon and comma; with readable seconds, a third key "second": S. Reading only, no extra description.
{"hour": 3, "minute": 31, "second": 8}
